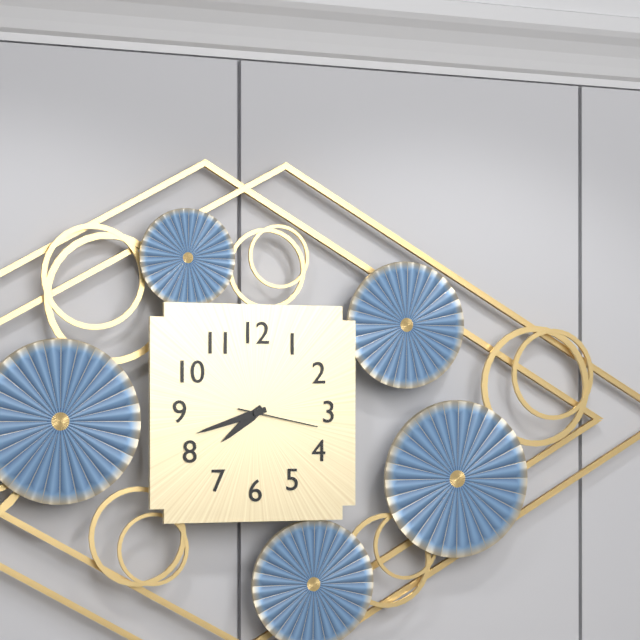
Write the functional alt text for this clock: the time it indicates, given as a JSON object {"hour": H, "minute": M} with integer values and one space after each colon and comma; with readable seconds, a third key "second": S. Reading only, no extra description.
{"hour": 7, "minute": 42, "second": 17}
